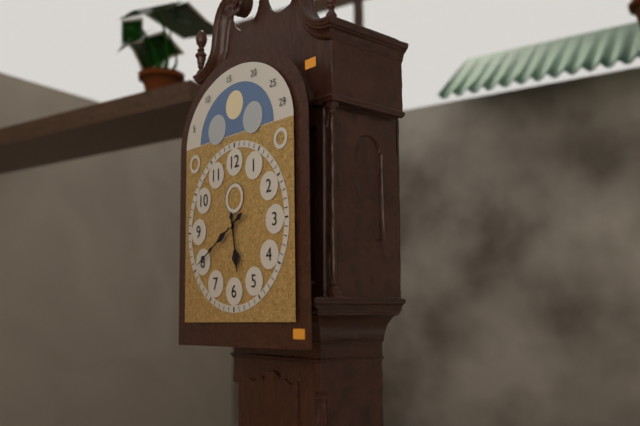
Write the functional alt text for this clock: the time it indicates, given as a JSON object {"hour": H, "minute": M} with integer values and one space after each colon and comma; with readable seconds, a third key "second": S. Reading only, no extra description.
{"hour": 5, "minute": 40}
